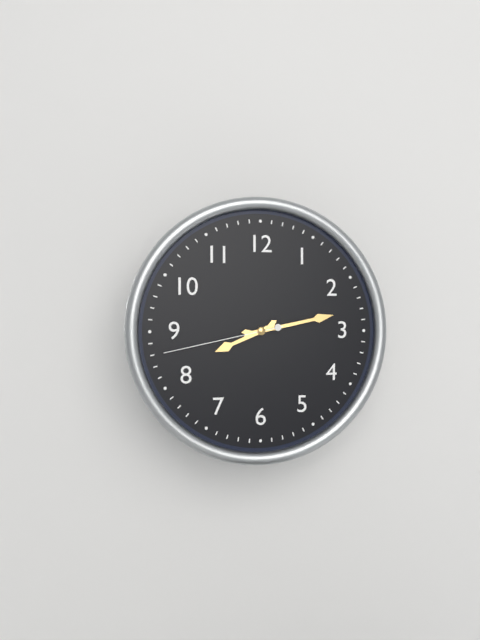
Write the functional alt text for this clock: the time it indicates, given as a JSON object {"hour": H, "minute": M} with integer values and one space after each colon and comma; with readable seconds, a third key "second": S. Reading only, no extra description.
{"hour": 8, "minute": 13, "second": 43}
